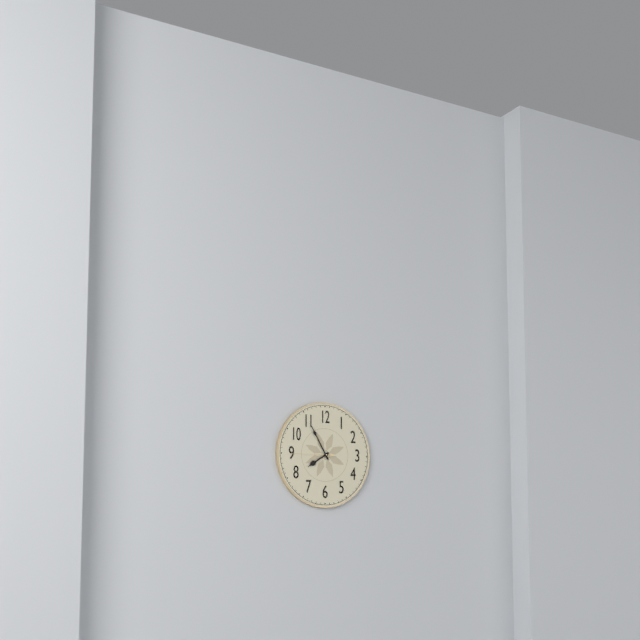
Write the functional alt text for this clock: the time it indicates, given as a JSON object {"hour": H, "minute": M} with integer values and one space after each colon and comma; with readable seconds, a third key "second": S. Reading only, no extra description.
{"hour": 7, "minute": 55}
